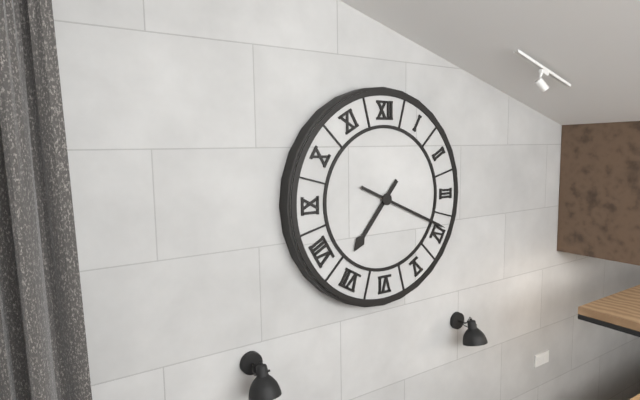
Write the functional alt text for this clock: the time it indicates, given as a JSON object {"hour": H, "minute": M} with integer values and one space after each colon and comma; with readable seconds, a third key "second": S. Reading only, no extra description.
{"hour": 7, "minute": 19}
